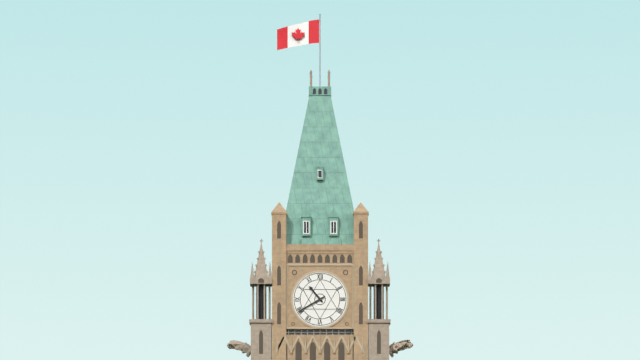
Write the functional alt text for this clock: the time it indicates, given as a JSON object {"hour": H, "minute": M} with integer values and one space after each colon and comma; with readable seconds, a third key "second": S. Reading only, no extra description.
{"hour": 10, "minute": 40}
